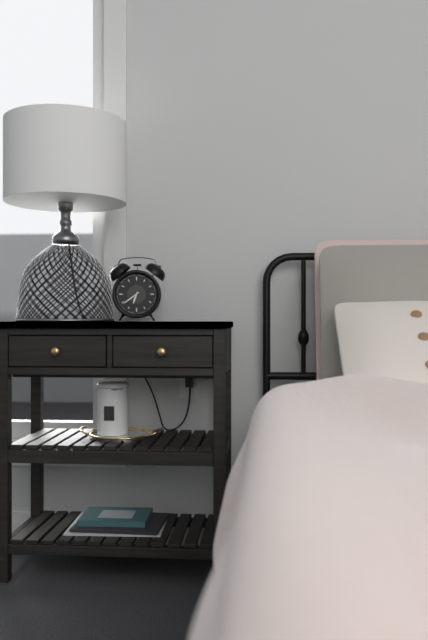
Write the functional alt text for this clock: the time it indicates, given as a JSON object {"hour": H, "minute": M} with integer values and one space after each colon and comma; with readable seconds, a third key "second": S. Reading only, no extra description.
{"hour": 6, "minute": 39}
